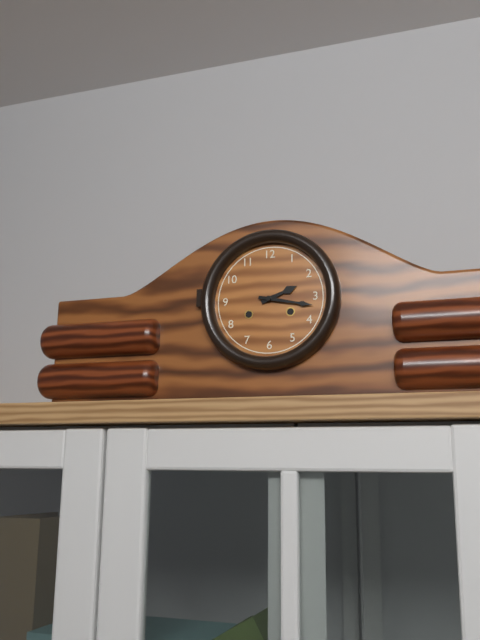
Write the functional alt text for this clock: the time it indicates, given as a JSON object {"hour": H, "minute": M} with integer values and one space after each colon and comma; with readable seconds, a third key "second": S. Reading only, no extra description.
{"hour": 2, "minute": 17}
